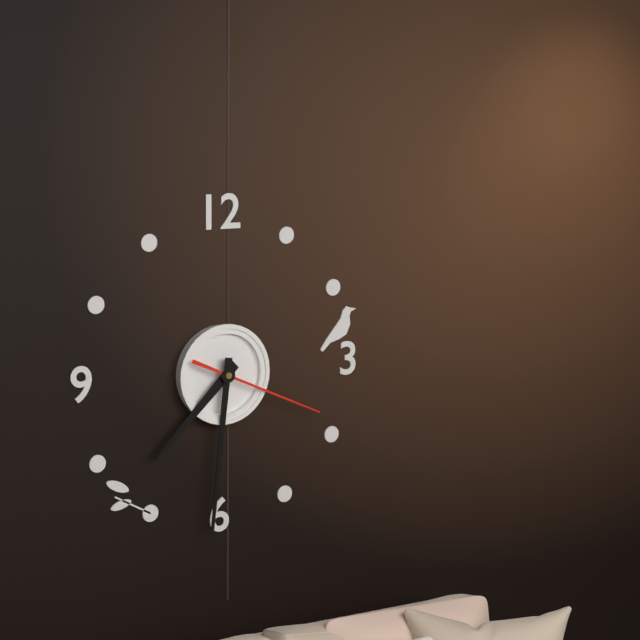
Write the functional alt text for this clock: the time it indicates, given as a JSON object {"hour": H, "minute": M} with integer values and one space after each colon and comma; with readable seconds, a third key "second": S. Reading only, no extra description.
{"hour": 7, "minute": 31, "second": 19}
